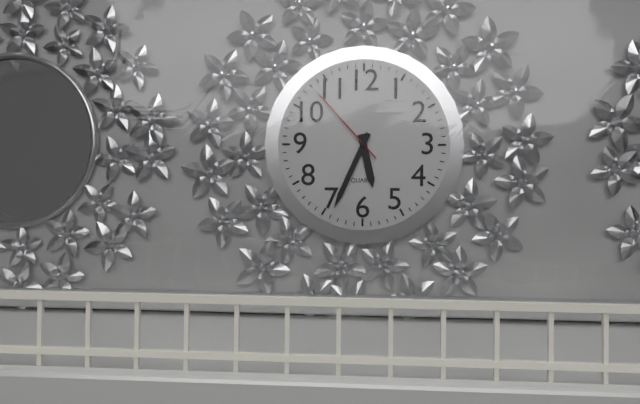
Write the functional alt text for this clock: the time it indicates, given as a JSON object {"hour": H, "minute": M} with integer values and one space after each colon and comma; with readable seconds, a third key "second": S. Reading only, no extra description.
{"hour": 5, "minute": 34, "second": 53}
